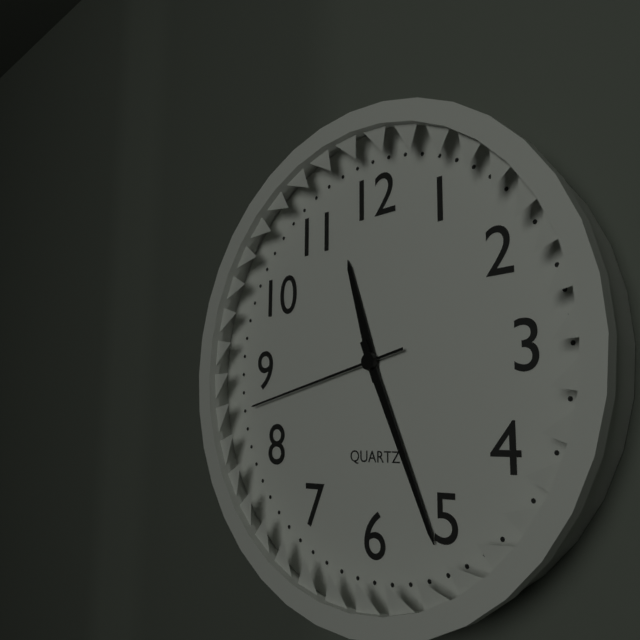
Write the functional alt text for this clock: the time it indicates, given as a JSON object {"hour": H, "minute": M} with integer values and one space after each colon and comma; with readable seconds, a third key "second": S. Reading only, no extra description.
{"hour": 11, "minute": 26, "second": 43}
